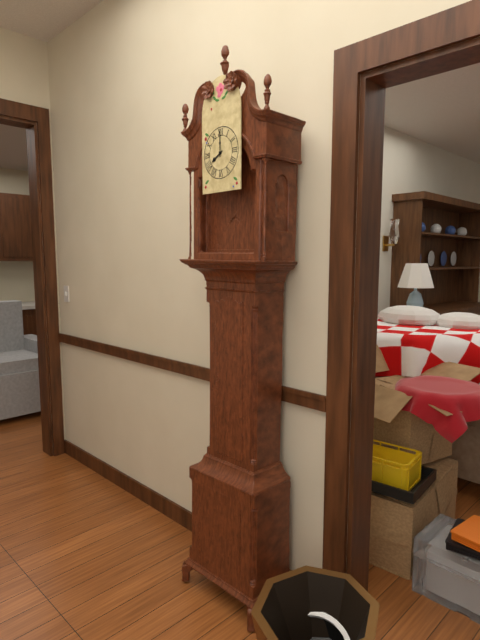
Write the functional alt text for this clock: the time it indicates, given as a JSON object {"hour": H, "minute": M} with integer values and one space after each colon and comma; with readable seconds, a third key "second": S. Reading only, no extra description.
{"hour": 8, "minute": 0}
